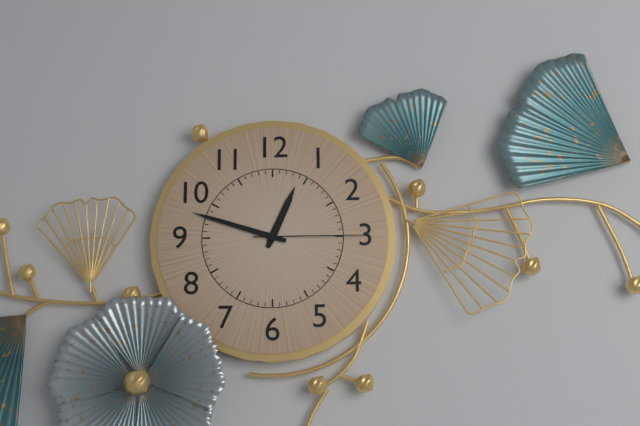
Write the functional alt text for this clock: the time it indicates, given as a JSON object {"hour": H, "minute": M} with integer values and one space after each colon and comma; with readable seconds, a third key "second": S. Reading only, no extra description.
{"hour": 12, "minute": 48, "second": 15}
